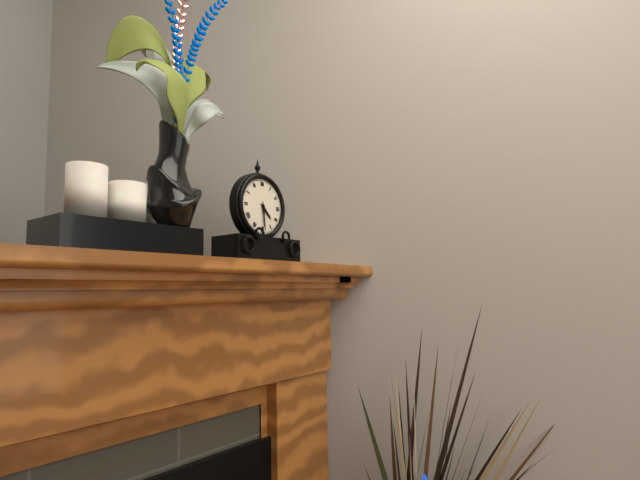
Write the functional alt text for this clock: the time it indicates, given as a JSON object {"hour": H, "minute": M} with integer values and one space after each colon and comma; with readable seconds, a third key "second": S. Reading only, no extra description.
{"hour": 4, "minute": 29}
